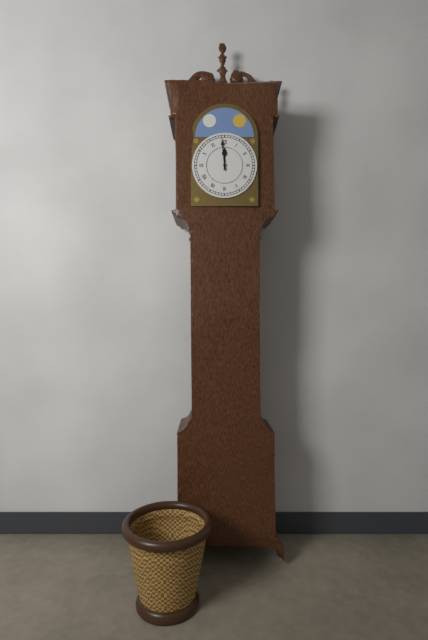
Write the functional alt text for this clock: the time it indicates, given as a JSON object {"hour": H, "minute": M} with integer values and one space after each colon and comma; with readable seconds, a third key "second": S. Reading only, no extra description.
{"hour": 11, "minute": 59}
